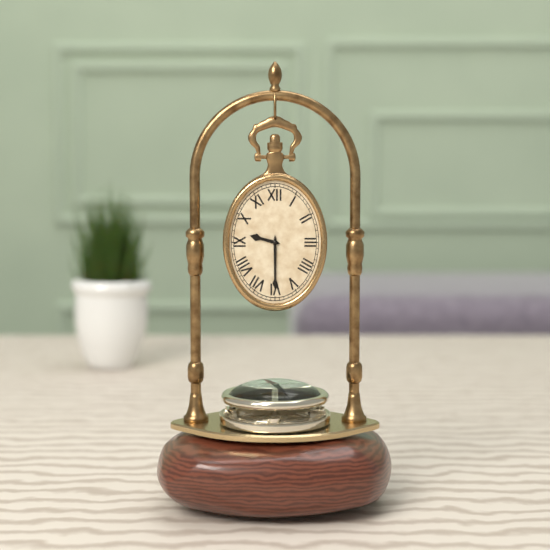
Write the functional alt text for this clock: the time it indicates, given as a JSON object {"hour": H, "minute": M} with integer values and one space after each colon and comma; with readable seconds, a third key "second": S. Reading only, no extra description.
{"hour": 9, "minute": 30}
